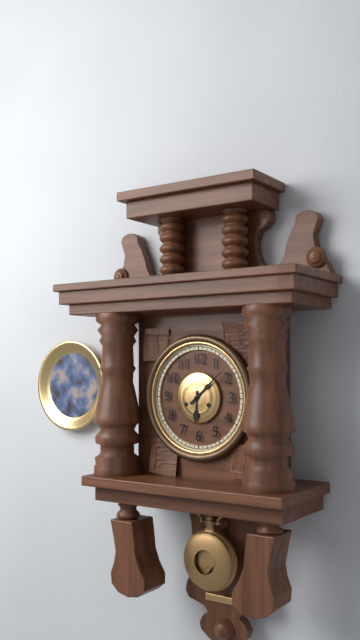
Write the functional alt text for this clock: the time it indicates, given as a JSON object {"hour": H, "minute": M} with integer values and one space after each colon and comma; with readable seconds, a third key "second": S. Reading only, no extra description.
{"hour": 6, "minute": 8}
